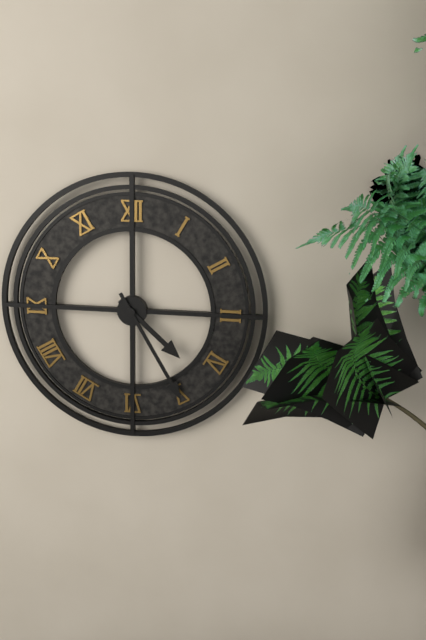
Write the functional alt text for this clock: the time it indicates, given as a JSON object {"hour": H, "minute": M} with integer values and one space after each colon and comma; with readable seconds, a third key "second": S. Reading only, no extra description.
{"hour": 4, "minute": 25}
